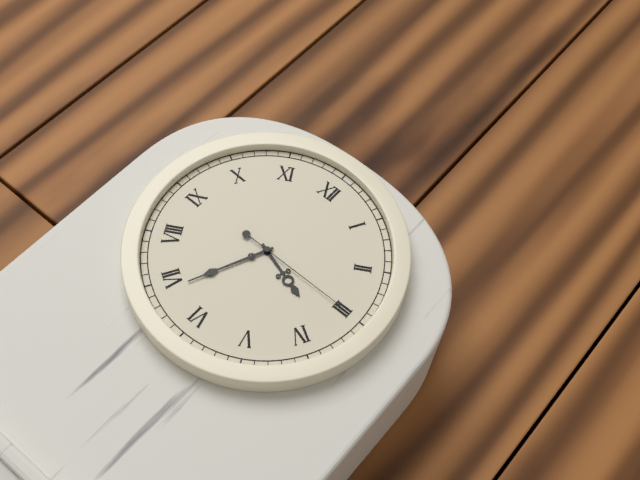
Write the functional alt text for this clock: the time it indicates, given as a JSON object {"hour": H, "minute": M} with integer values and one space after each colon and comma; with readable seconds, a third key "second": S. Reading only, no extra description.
{"hour": 3, "minute": 34, "second": 15}
